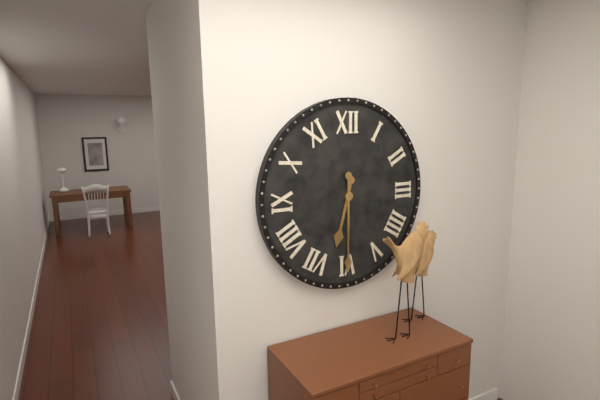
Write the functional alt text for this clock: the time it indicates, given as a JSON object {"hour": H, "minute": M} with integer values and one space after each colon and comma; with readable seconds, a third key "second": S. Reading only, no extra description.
{"hour": 6, "minute": 30}
